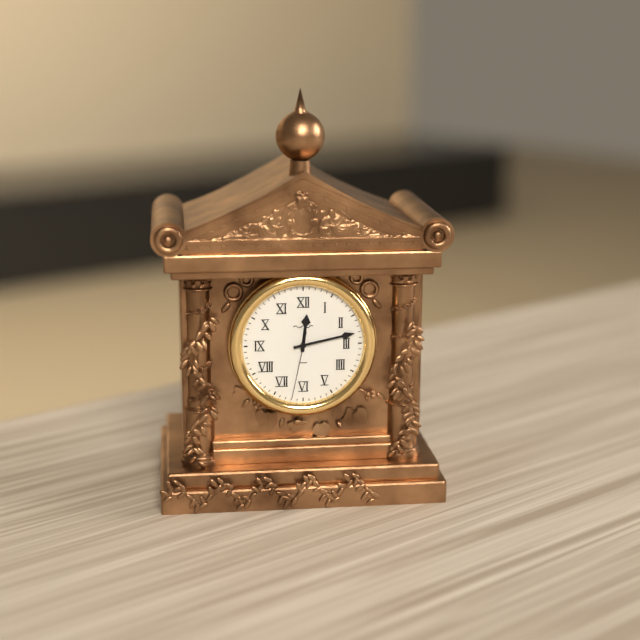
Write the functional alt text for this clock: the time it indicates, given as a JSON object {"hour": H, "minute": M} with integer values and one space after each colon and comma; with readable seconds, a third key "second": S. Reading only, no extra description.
{"hour": 12, "minute": 13, "second": 32}
